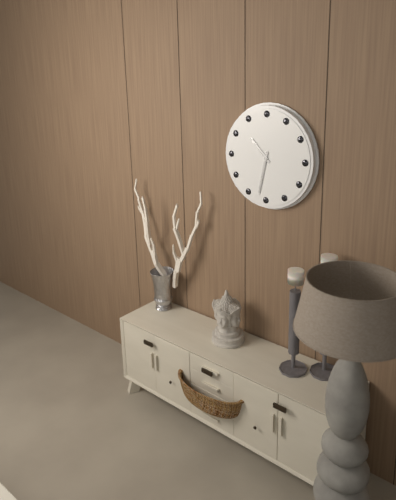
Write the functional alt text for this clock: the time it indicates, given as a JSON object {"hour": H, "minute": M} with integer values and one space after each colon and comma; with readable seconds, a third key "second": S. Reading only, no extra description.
{"hour": 10, "minute": 32}
